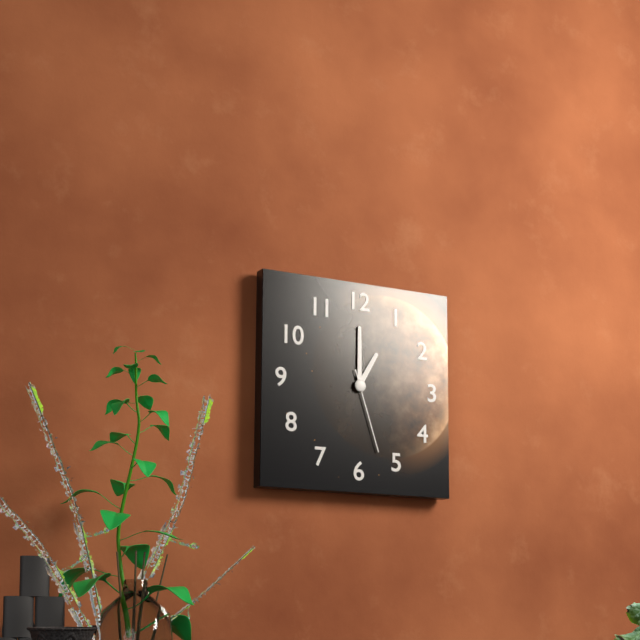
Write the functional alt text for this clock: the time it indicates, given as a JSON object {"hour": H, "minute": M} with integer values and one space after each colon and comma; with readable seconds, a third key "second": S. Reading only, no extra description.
{"hour": 1, "minute": 0, "second": 27}
